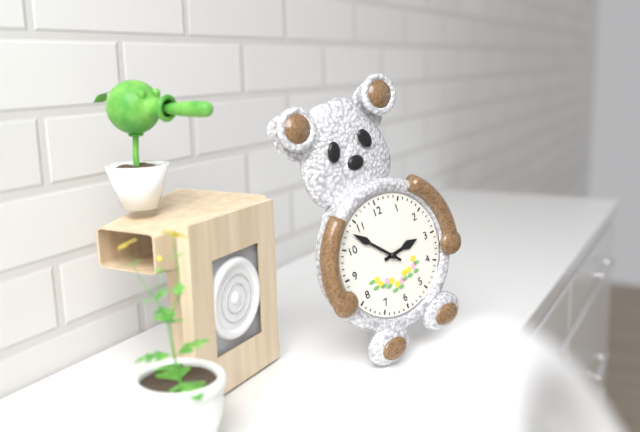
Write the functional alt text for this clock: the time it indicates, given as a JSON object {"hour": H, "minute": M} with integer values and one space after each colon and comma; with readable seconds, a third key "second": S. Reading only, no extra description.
{"hour": 2, "minute": 53}
